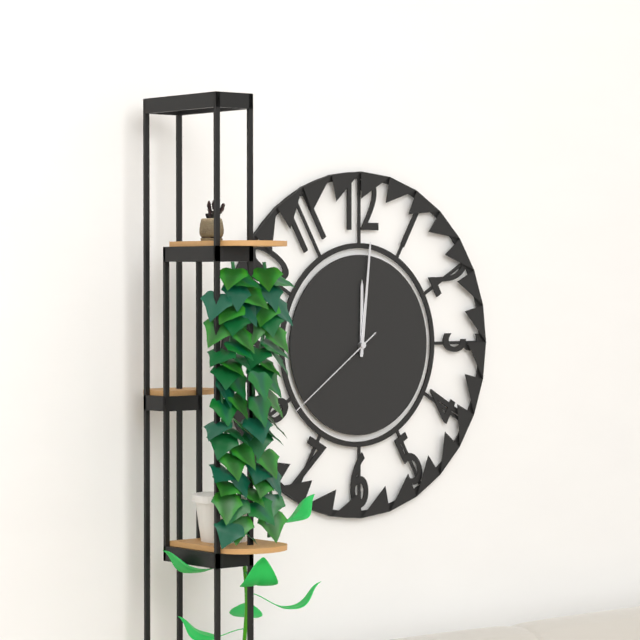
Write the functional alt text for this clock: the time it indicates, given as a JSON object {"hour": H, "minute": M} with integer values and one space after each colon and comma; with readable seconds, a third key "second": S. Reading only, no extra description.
{"hour": 12, "minute": 1, "second": 39}
